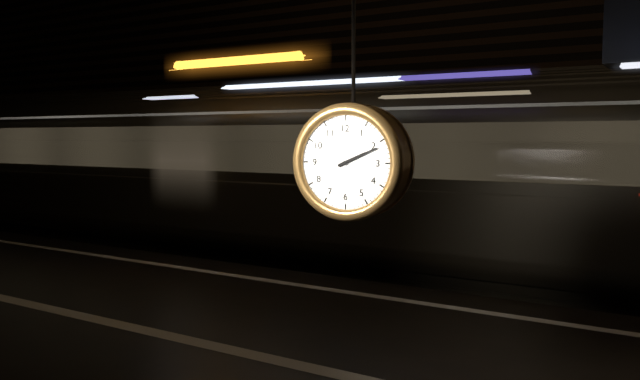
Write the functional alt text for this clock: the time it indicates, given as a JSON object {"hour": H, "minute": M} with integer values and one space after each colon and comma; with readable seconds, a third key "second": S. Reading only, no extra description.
{"hour": 2, "minute": 11}
